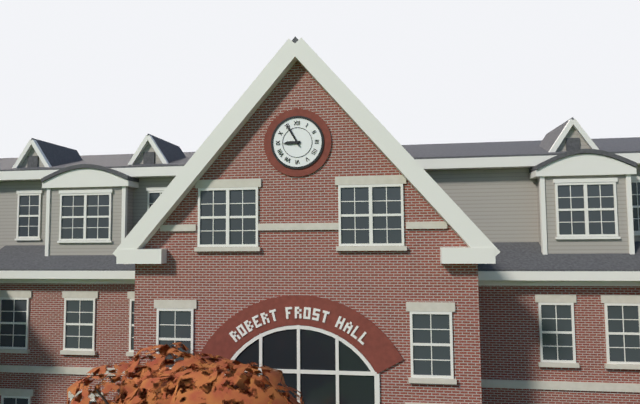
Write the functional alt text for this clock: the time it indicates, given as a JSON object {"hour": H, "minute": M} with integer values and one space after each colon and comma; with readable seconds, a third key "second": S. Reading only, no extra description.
{"hour": 8, "minute": 55}
